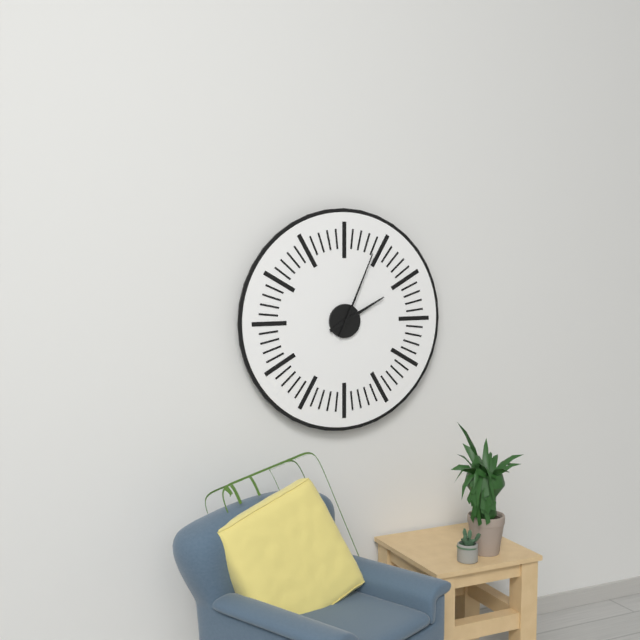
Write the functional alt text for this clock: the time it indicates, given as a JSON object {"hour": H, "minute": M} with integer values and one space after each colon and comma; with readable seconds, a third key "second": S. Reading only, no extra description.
{"hour": 2, "minute": 4}
